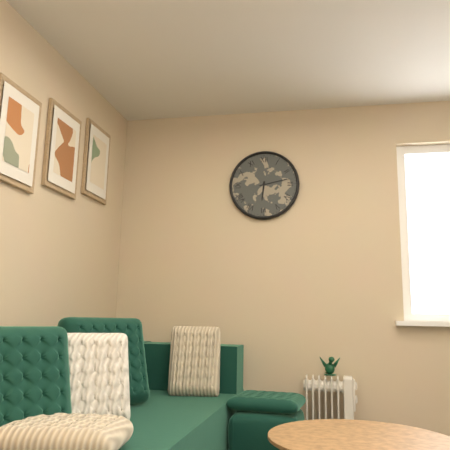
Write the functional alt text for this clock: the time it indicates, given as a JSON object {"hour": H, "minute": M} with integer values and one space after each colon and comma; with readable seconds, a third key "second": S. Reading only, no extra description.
{"hour": 6, "minute": 13}
